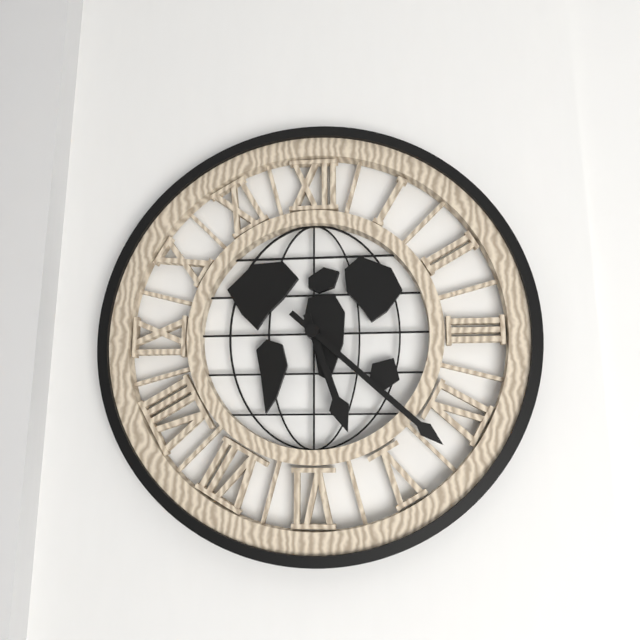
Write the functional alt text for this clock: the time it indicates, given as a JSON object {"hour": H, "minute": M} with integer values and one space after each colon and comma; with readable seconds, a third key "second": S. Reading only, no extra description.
{"hour": 5, "minute": 22}
